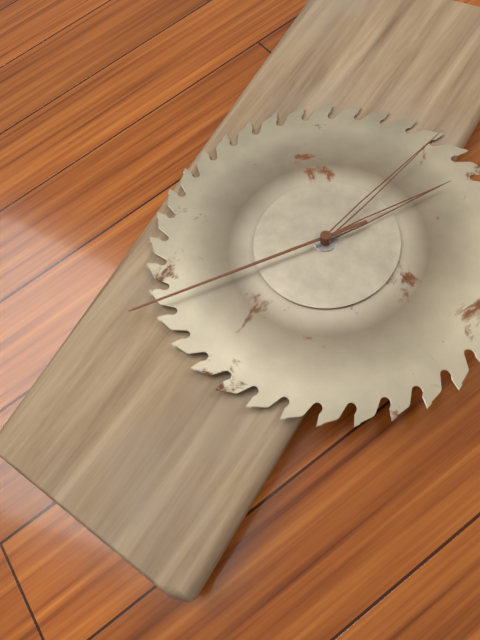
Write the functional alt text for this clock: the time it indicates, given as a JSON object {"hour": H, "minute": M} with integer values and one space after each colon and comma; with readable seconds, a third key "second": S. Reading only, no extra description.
{"hour": 1, "minute": 2, "second": 36}
